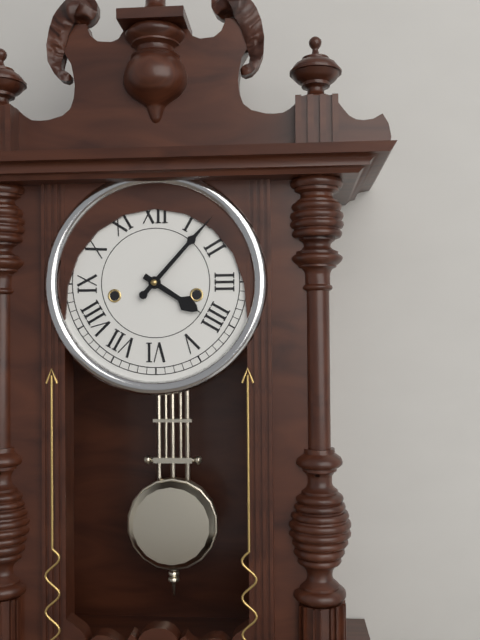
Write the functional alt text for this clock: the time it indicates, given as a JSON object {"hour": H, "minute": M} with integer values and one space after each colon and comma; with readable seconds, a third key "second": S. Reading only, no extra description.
{"hour": 4, "minute": 7}
